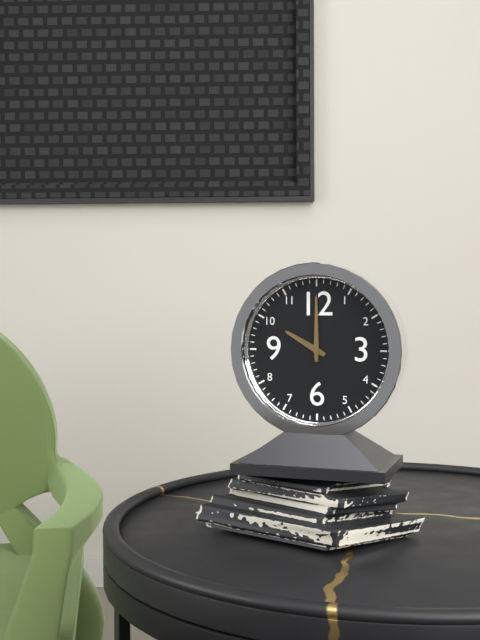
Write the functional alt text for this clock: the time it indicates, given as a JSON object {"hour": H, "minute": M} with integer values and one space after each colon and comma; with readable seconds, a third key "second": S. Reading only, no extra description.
{"hour": 10, "minute": 0}
